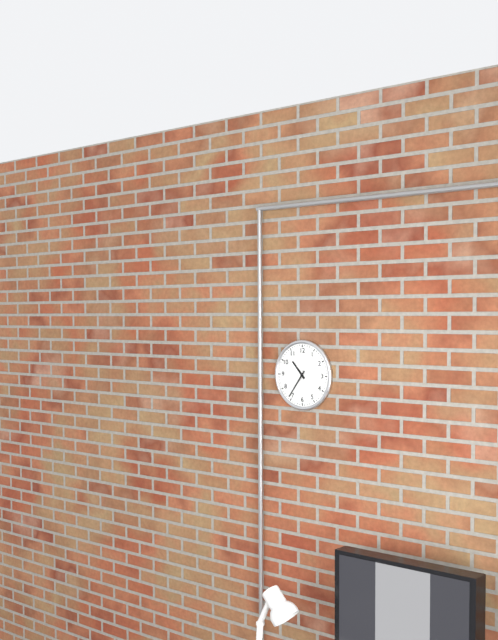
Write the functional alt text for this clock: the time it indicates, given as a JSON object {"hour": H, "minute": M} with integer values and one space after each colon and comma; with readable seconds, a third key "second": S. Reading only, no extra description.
{"hour": 10, "minute": 36}
